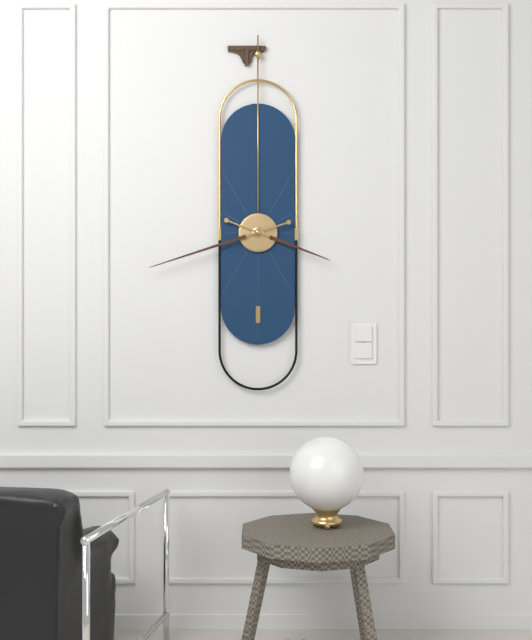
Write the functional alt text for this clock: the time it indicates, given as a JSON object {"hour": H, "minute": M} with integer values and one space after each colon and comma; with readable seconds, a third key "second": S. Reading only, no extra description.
{"hour": 3, "minute": 42}
